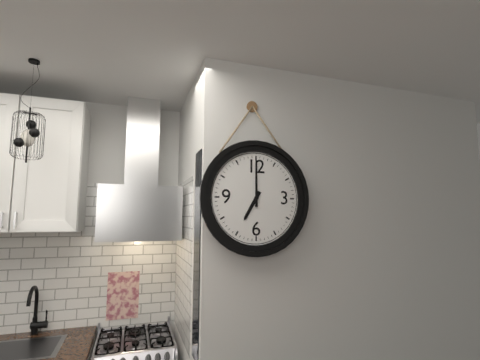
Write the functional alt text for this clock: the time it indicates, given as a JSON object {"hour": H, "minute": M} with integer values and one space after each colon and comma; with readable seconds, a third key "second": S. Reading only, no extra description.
{"hour": 7, "minute": 0}
